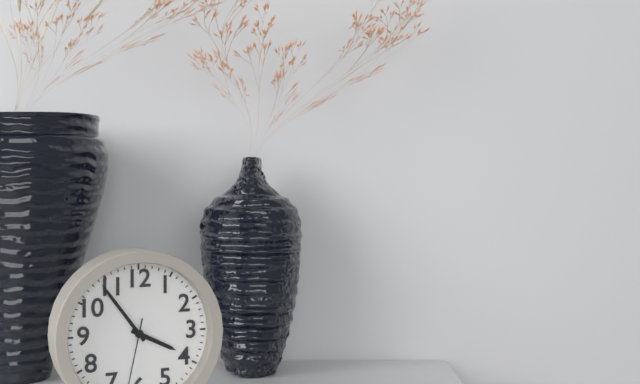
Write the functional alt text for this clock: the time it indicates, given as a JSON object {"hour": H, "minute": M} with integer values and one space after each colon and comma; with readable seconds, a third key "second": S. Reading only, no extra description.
{"hour": 3, "minute": 54}
